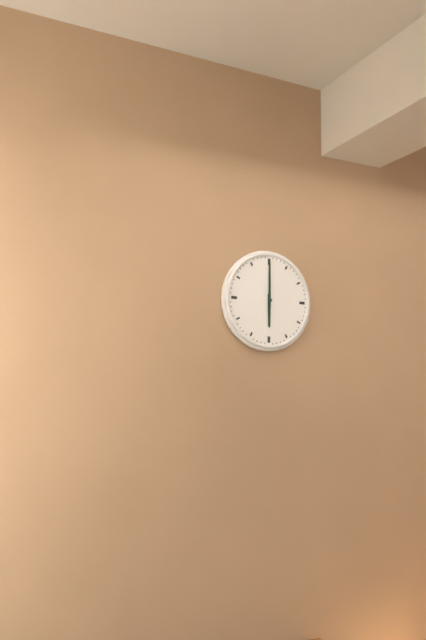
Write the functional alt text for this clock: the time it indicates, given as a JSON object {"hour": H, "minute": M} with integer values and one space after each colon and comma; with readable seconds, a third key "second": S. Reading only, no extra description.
{"hour": 6, "minute": 0}
